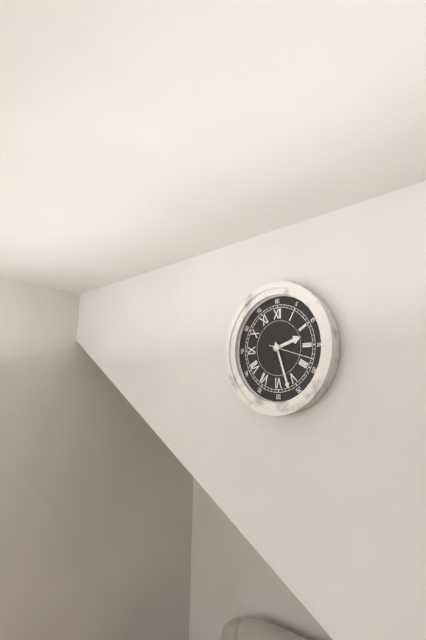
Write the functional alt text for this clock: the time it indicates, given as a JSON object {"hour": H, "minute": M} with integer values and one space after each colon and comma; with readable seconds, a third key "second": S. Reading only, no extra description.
{"hour": 2, "minute": 27}
